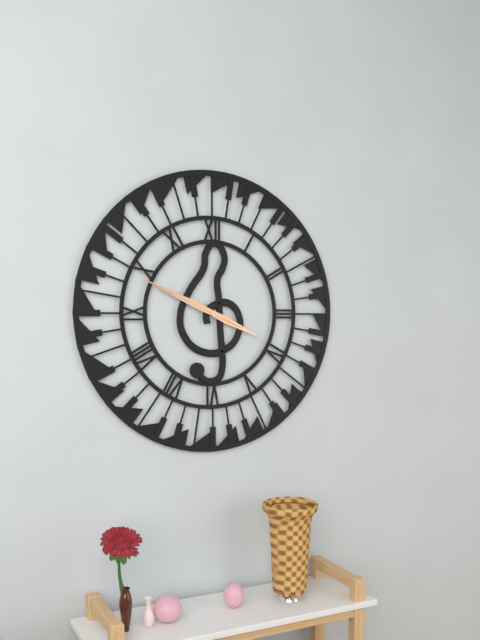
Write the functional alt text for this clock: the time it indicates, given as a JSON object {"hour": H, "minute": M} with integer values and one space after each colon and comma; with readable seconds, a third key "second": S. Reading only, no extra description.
{"hour": 3, "minute": 49, "second": 49}
